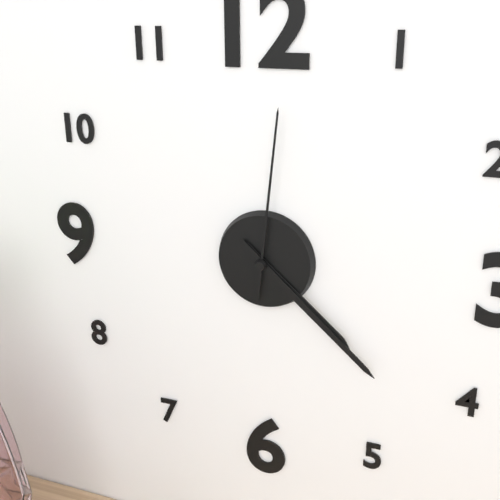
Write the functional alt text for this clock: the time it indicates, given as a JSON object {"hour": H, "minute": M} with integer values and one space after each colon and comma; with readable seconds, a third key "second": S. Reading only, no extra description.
{"hour": 4, "minute": 22, "second": 1}
